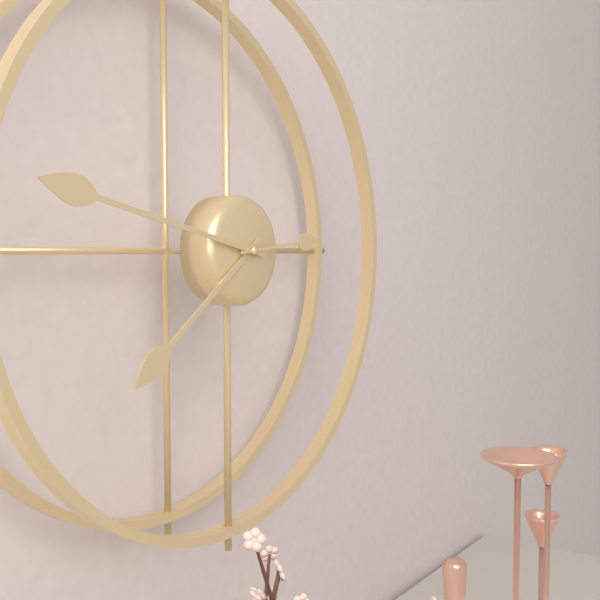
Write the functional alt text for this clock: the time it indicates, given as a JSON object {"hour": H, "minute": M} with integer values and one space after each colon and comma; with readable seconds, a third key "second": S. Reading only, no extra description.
{"hour": 7, "minute": 47, "second": 14}
